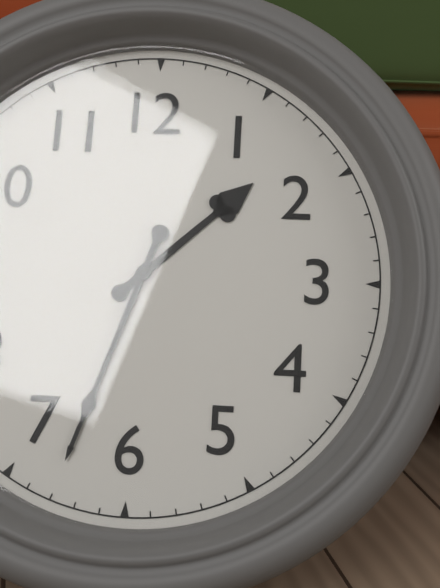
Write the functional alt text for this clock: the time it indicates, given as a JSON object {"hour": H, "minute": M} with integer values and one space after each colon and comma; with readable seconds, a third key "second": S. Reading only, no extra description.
{"hour": 1, "minute": 33}
